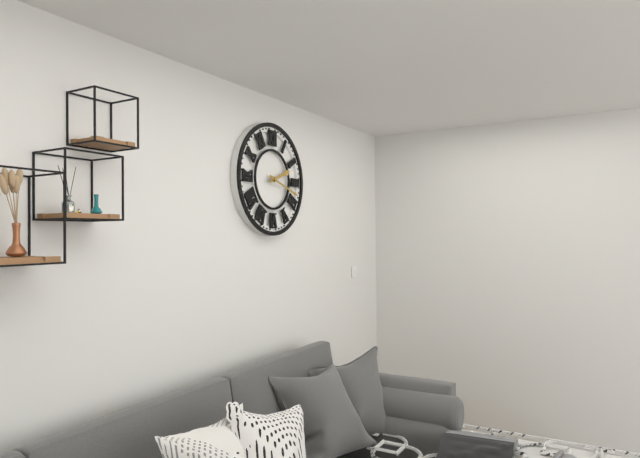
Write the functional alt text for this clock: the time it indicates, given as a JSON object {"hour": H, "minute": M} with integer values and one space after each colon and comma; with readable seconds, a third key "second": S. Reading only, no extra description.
{"hour": 2, "minute": 18}
